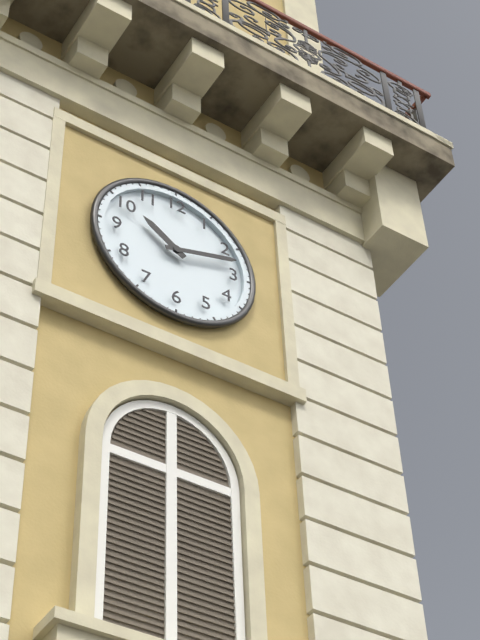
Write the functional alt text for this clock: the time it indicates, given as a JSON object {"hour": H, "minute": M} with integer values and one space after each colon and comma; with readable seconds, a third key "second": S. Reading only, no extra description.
{"hour": 10, "minute": 12}
